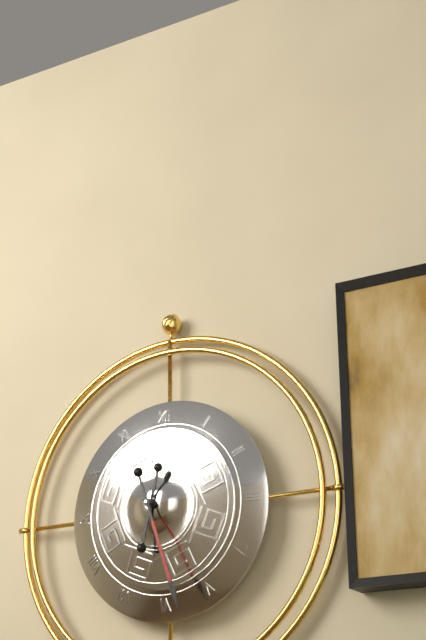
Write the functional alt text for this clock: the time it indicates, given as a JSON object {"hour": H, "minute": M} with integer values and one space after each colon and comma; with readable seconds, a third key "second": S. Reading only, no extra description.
{"hour": 6, "minute": 27}
